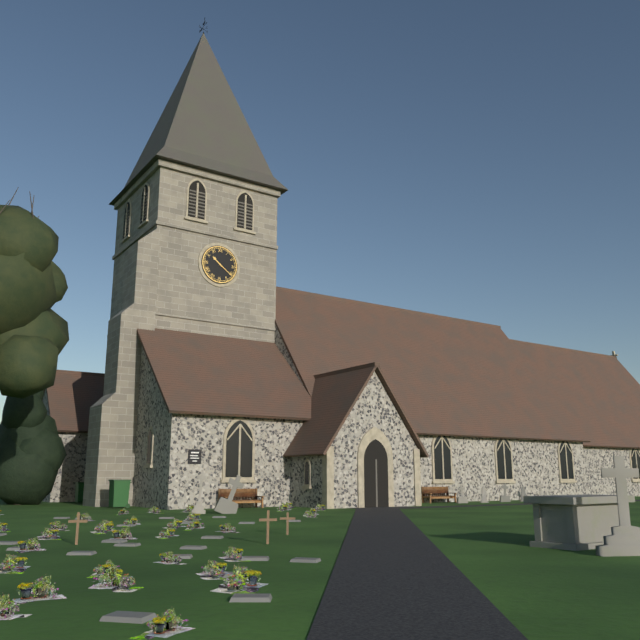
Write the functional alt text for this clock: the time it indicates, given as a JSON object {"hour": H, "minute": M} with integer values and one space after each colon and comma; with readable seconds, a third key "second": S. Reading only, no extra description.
{"hour": 10, "minute": 21}
